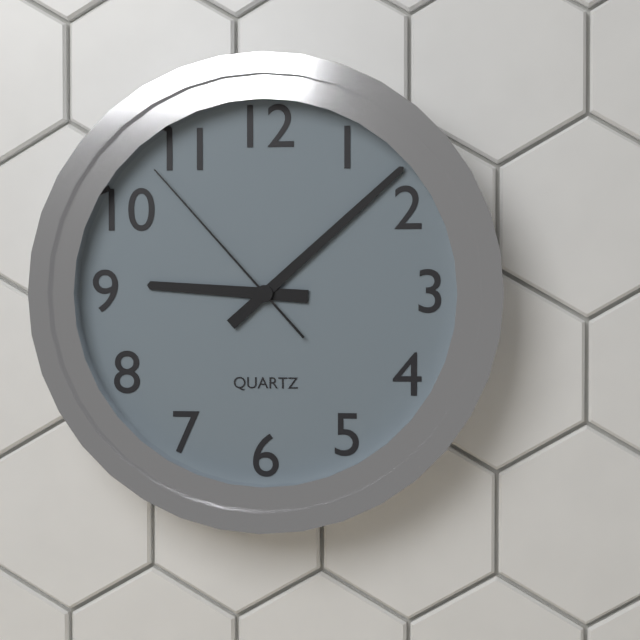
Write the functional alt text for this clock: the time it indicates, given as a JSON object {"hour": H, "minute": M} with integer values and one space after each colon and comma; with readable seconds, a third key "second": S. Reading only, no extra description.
{"hour": 9, "minute": 8, "second": 53}
